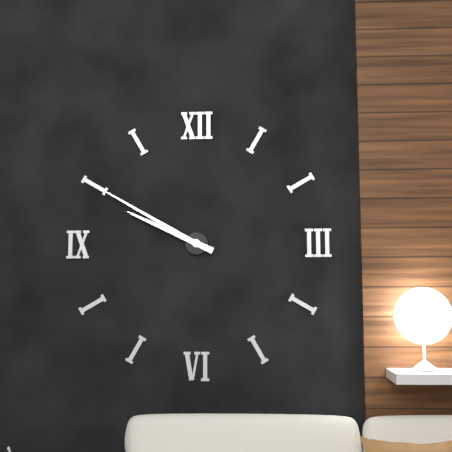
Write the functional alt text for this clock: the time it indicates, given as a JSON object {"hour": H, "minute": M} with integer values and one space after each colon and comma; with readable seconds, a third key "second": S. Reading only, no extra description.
{"hour": 9, "minute": 50}
